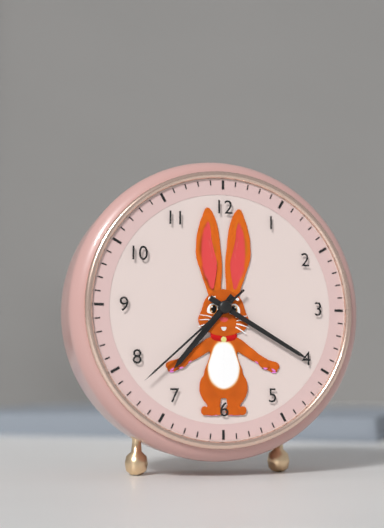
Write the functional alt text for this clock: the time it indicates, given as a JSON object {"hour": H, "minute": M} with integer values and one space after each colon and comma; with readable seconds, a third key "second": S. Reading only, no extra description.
{"hour": 7, "minute": 20, "second": 38}
